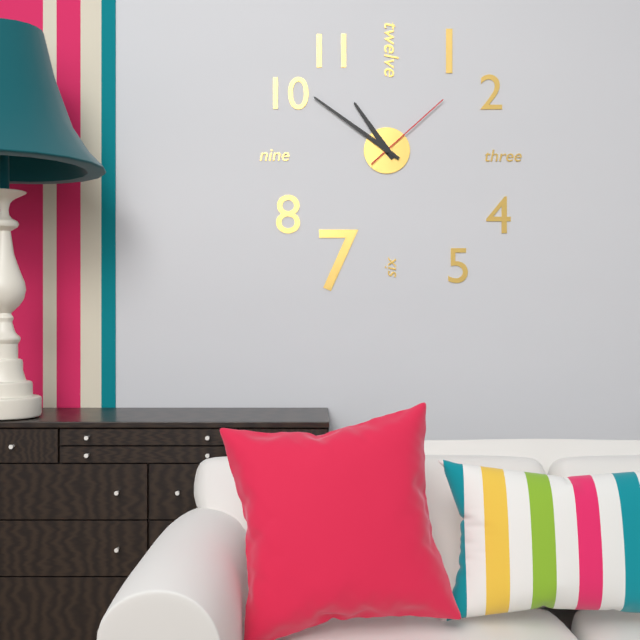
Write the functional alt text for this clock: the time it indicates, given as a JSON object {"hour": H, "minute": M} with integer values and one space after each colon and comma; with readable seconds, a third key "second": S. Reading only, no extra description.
{"hour": 10, "minute": 51, "second": 8}
